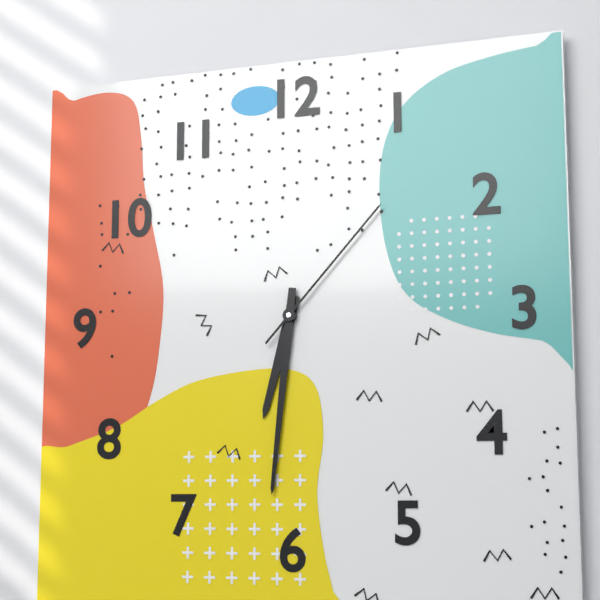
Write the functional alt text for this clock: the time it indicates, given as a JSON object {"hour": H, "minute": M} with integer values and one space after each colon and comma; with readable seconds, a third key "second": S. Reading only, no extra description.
{"hour": 6, "minute": 31, "second": 7}
